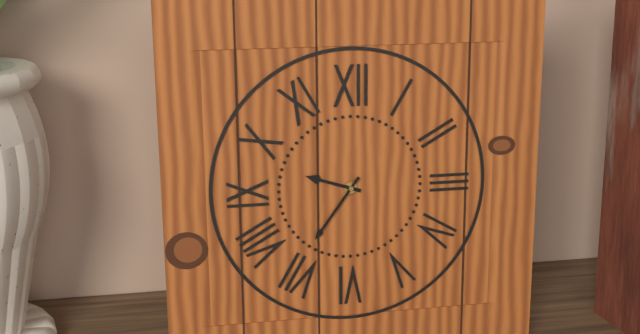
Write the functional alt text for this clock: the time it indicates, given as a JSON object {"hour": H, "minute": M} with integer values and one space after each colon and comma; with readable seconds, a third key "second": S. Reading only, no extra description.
{"hour": 9, "minute": 36}
